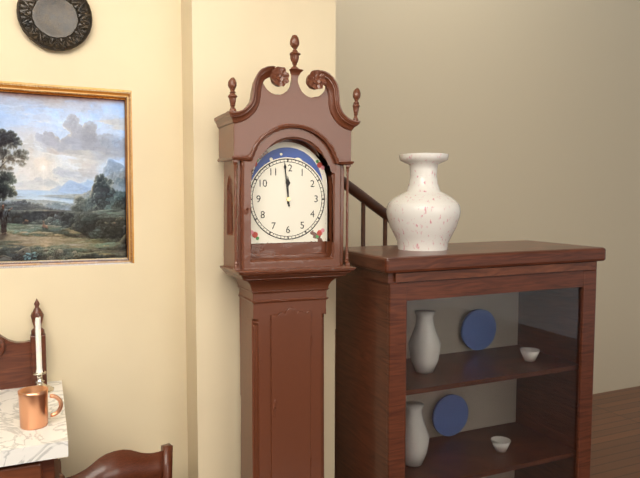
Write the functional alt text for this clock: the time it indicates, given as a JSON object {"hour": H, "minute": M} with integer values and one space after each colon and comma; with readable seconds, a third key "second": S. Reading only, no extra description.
{"hour": 11, "minute": 59}
